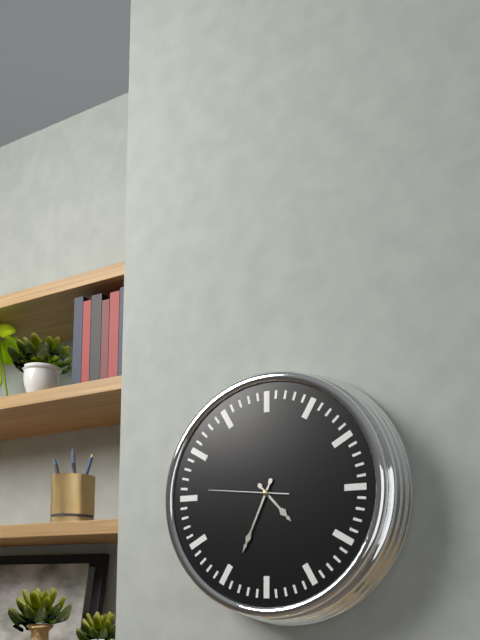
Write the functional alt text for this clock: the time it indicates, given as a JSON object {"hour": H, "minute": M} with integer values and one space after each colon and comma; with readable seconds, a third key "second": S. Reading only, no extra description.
{"hour": 4, "minute": 34, "second": 46}
